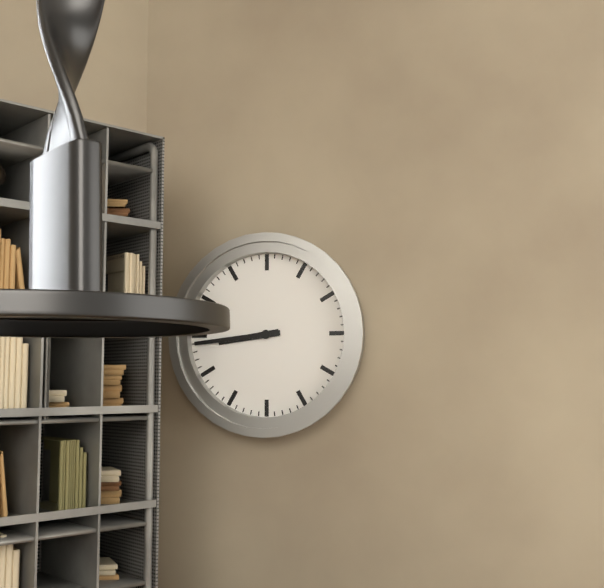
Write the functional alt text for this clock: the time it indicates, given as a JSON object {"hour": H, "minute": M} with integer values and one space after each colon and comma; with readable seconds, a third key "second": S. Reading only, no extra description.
{"hour": 8, "minute": 44}
